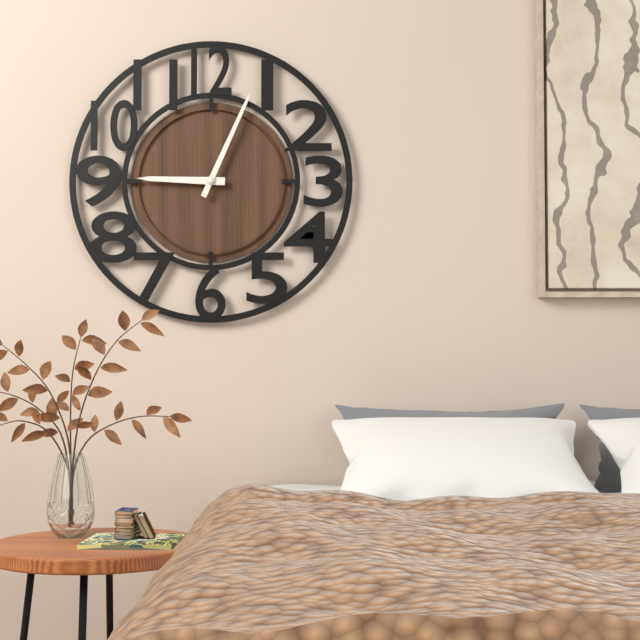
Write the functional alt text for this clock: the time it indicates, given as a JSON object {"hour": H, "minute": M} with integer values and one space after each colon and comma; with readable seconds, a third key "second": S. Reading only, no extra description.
{"hour": 9, "minute": 4}
